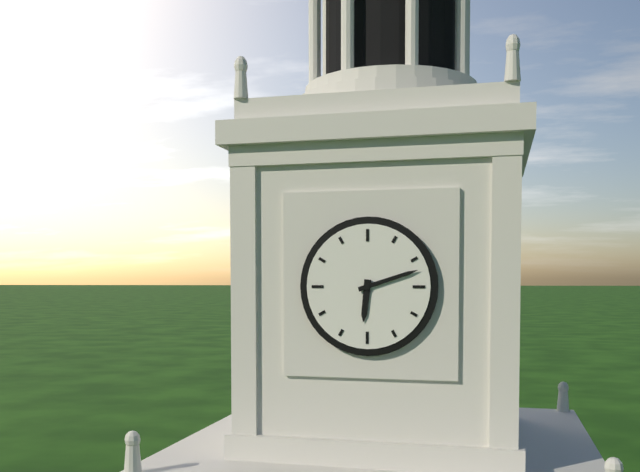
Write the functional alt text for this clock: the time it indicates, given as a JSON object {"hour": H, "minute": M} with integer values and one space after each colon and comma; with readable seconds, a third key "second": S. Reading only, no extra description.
{"hour": 6, "minute": 12}
